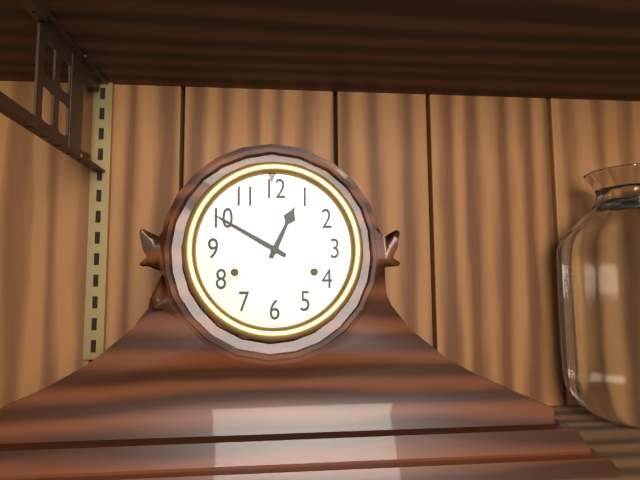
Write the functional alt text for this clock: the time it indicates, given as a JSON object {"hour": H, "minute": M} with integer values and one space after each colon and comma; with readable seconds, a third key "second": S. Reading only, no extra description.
{"hour": 12, "minute": 50}
